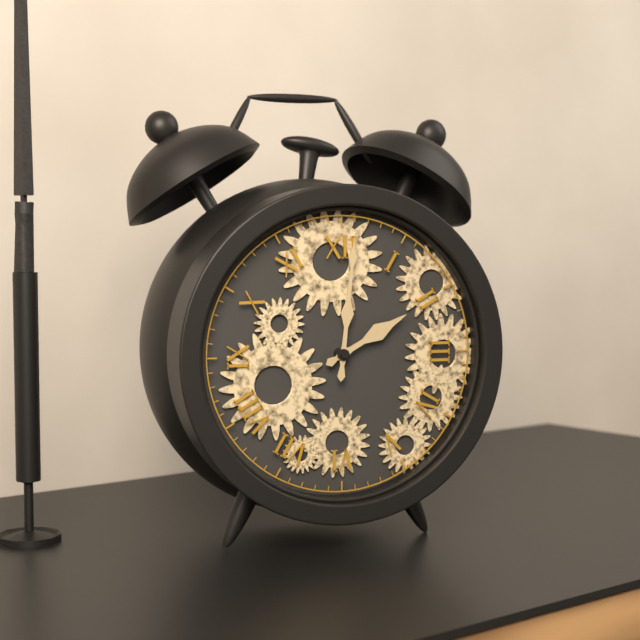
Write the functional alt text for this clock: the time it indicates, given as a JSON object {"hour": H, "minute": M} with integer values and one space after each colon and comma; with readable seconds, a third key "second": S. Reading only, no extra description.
{"hour": 2, "minute": 1}
